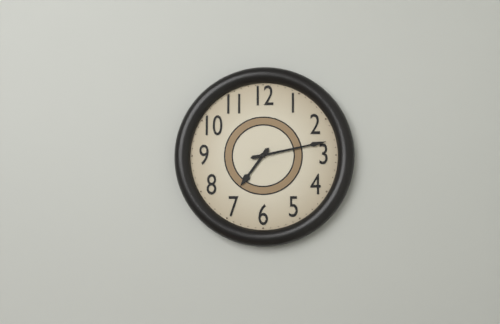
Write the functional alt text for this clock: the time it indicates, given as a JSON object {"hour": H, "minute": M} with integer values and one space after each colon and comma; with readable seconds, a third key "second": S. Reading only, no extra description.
{"hour": 7, "minute": 13}
